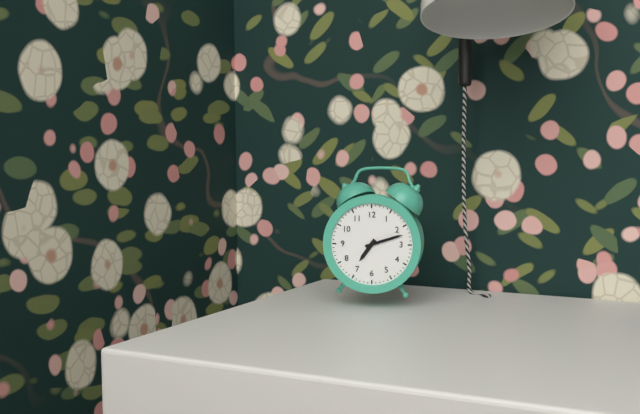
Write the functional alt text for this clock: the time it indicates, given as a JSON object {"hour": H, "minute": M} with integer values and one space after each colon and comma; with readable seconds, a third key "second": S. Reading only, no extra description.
{"hour": 7, "minute": 12}
